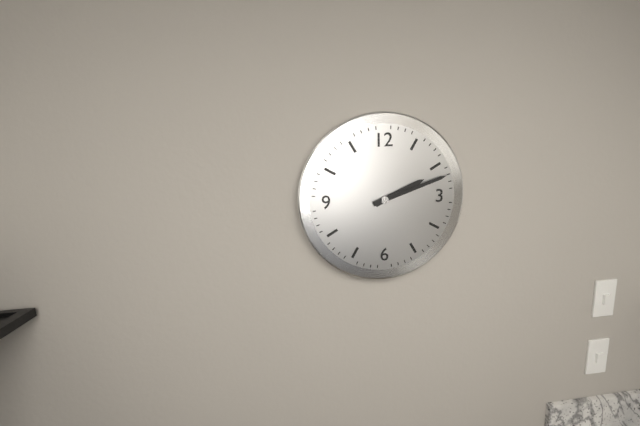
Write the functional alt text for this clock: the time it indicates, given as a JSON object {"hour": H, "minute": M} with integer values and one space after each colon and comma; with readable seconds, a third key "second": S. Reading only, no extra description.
{"hour": 2, "minute": 12}
